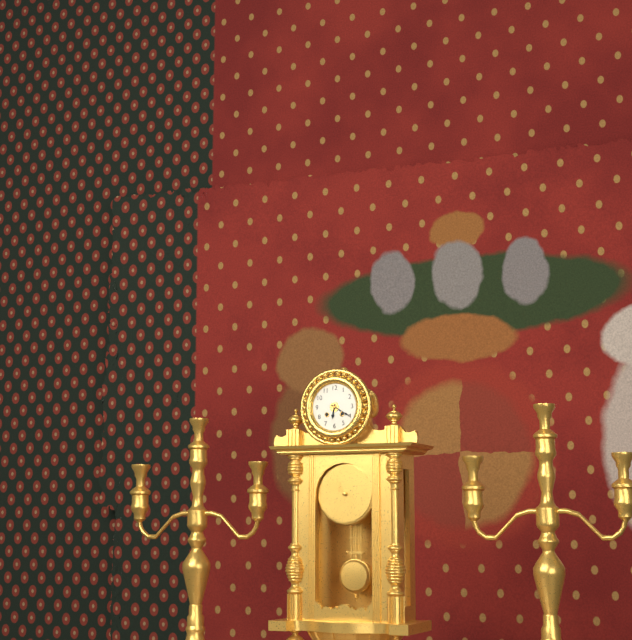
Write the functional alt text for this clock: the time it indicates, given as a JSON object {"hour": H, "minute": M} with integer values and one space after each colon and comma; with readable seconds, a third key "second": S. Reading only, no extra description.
{"hour": 6, "minute": 20}
